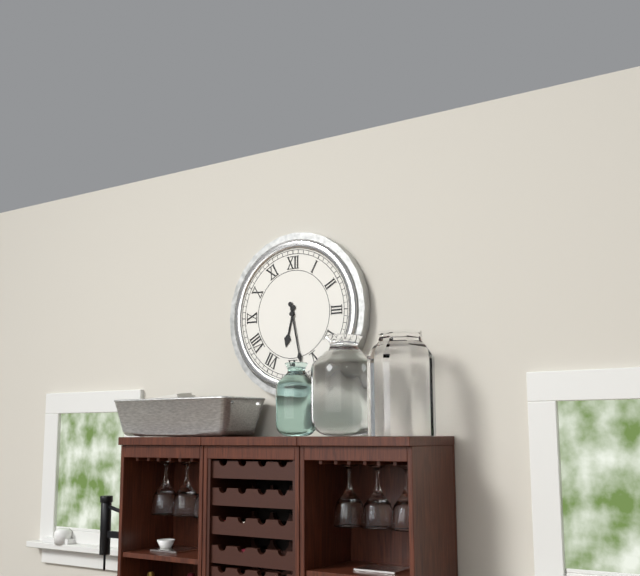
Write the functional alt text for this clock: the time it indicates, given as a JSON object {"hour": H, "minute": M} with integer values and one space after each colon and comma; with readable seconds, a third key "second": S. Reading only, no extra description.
{"hour": 6, "minute": 28}
